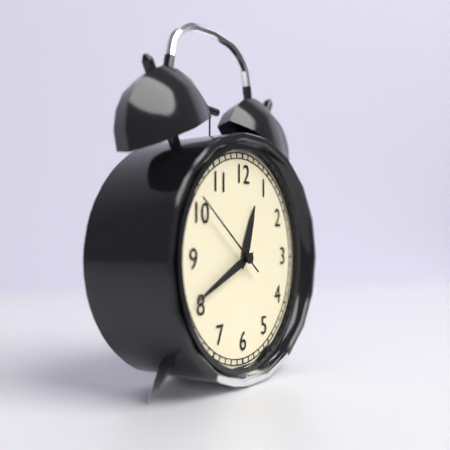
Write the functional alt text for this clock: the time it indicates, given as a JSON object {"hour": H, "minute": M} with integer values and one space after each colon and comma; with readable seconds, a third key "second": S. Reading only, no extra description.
{"hour": 12, "minute": 41, "second": 51}
